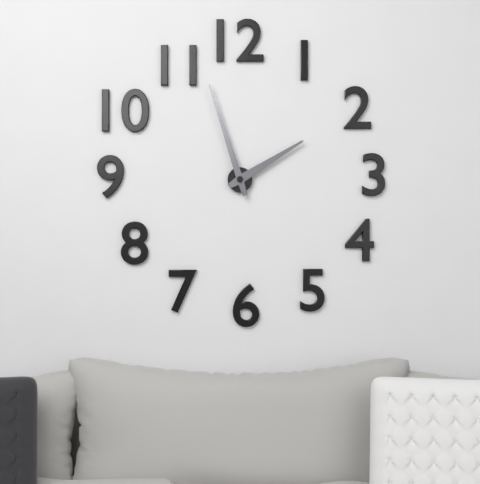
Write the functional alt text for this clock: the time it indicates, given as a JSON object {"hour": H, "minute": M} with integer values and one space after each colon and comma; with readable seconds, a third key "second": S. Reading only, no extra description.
{"hour": 1, "minute": 57}
